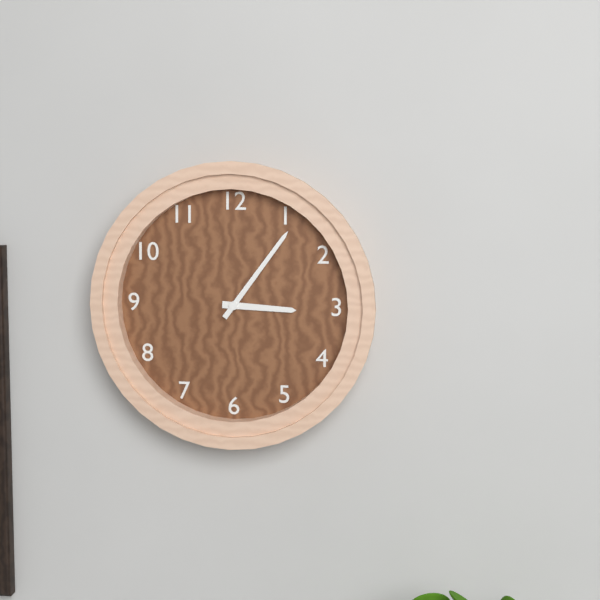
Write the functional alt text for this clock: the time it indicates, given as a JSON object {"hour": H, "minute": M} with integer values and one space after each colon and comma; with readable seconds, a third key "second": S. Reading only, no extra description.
{"hour": 3, "minute": 6}
